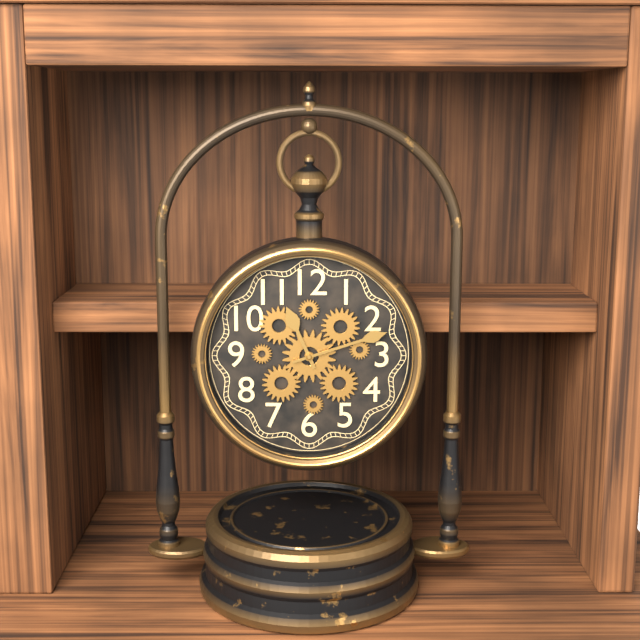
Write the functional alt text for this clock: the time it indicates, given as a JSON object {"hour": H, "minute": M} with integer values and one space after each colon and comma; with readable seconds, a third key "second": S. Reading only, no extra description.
{"hour": 11, "minute": 12}
